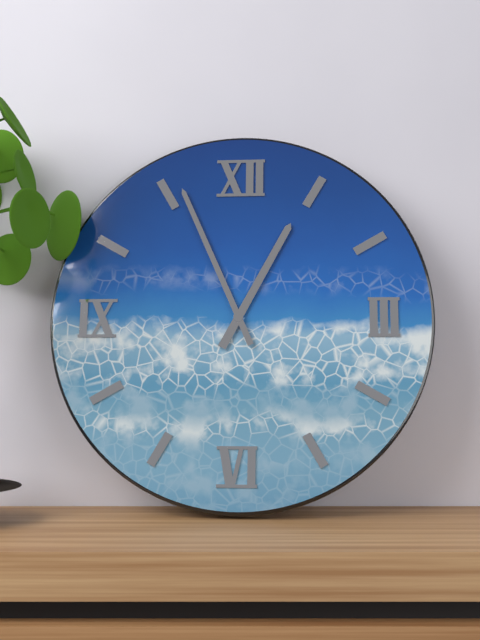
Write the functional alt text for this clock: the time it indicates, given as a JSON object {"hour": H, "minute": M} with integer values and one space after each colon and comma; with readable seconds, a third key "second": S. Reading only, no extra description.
{"hour": 12, "minute": 56}
